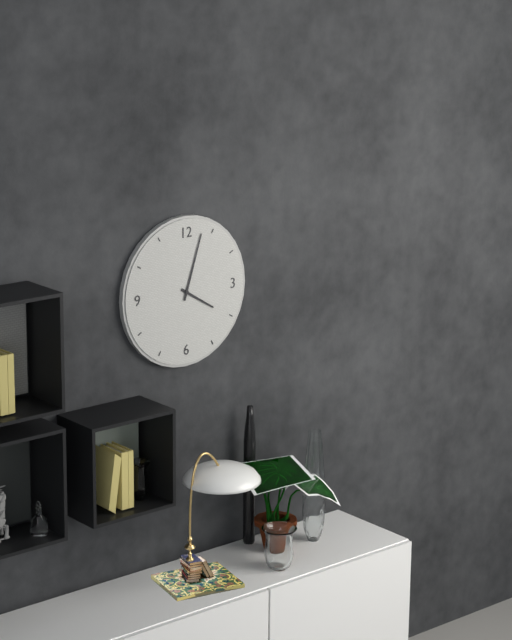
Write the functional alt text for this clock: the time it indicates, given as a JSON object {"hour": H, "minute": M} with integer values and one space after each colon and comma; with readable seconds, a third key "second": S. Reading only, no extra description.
{"hour": 4, "minute": 3}
